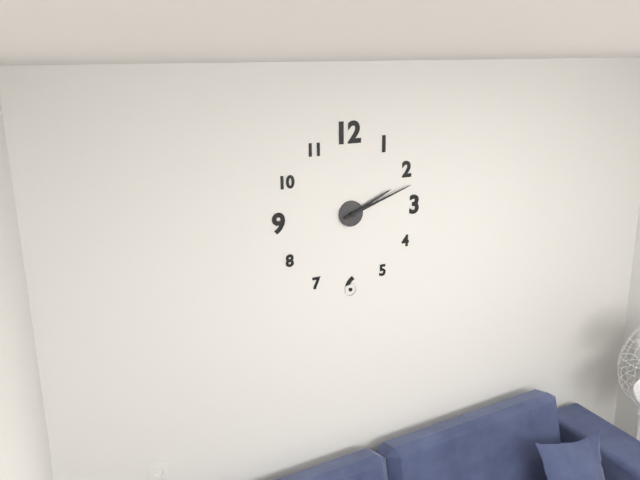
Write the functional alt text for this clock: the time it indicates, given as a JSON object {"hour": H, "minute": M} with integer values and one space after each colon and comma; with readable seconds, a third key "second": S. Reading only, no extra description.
{"hour": 2, "minute": 12}
